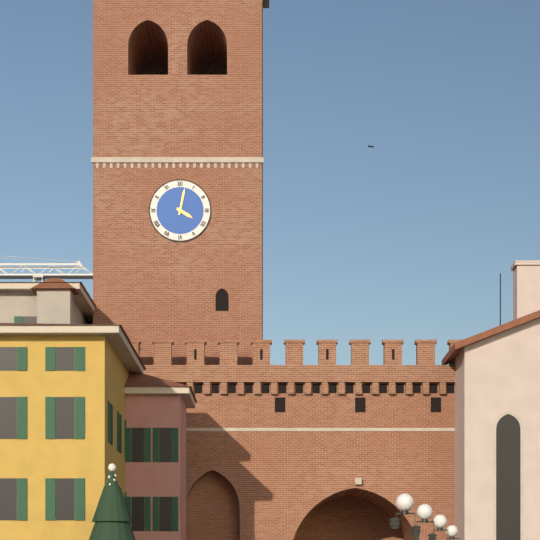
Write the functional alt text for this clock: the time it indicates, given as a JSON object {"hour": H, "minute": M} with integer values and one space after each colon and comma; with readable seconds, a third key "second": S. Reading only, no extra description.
{"hour": 4, "minute": 2}
